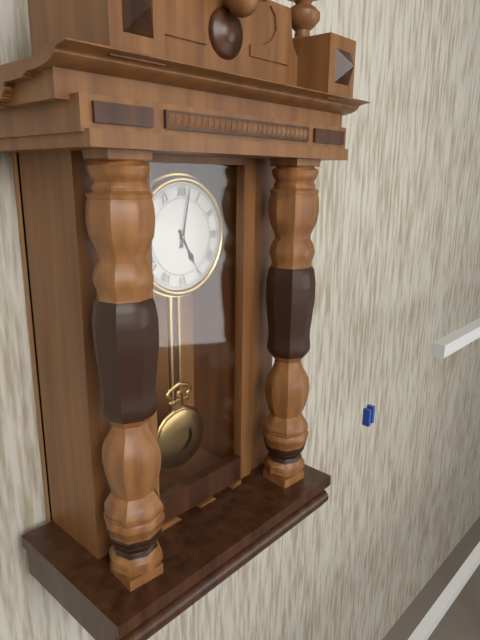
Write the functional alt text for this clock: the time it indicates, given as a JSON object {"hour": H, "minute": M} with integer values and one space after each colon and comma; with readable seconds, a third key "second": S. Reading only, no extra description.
{"hour": 5, "minute": 2}
